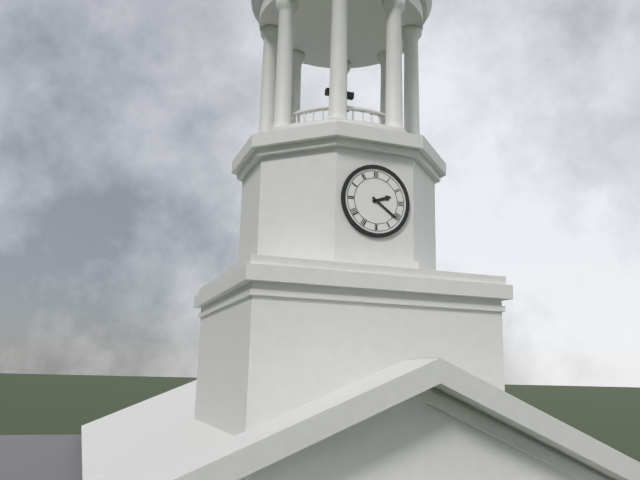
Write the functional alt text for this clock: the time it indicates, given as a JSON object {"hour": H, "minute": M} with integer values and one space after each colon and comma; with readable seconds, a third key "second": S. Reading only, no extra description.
{"hour": 2, "minute": 21}
